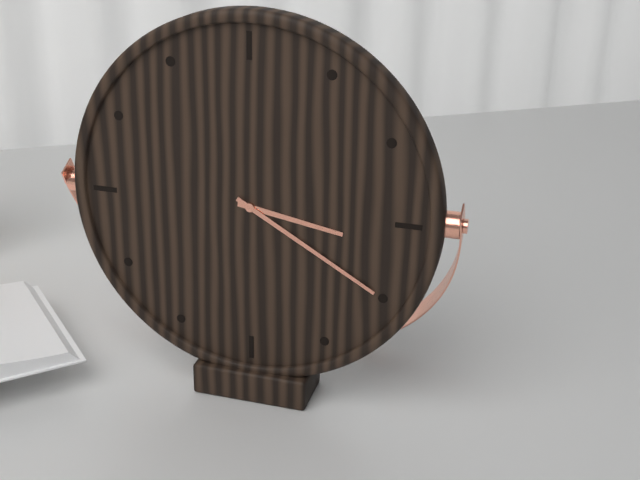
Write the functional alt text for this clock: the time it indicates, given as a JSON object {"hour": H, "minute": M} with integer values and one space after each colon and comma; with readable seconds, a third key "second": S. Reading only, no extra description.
{"hour": 3, "minute": 20}
